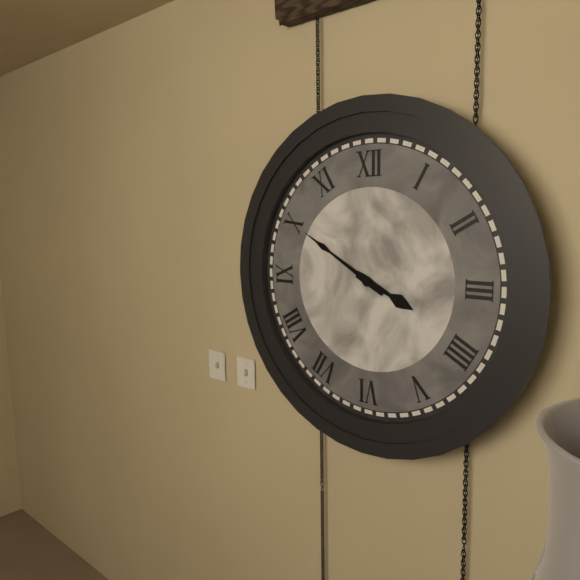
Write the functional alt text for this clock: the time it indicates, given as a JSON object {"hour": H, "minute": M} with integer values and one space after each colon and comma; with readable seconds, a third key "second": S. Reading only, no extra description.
{"hour": 3, "minute": 50}
